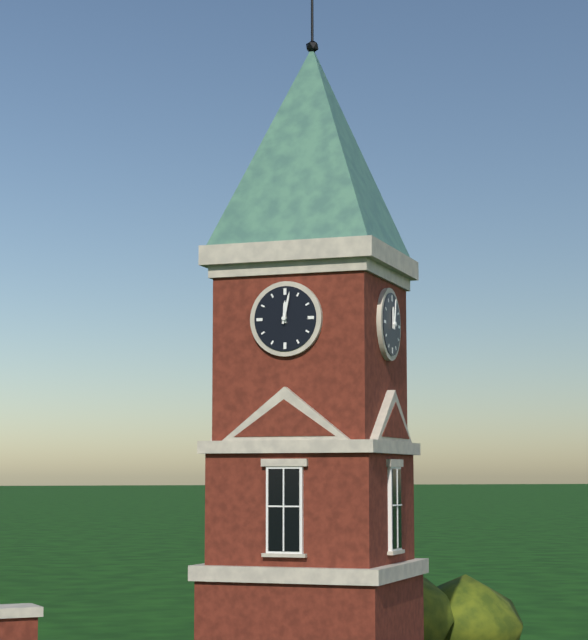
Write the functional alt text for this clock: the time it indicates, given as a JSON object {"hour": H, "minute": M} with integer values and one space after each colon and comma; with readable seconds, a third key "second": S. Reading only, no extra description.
{"hour": 12, "minute": 2}
